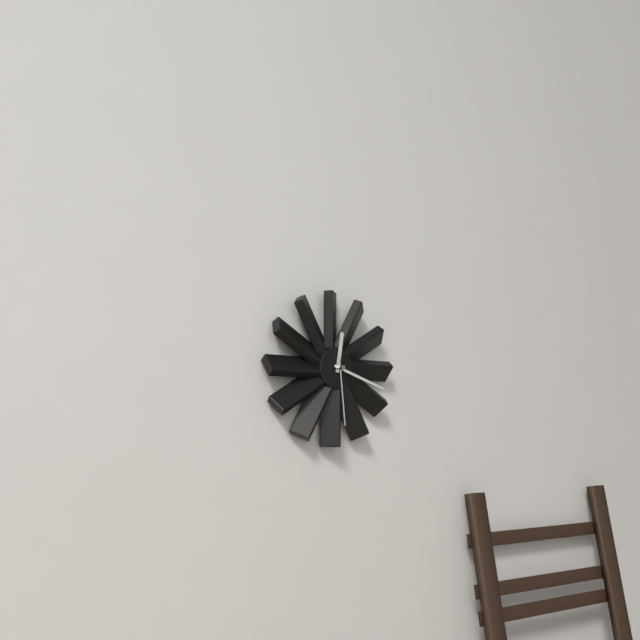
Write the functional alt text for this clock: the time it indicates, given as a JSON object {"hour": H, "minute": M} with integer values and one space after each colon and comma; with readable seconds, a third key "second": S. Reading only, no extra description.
{"hour": 12, "minute": 18, "second": 29}
